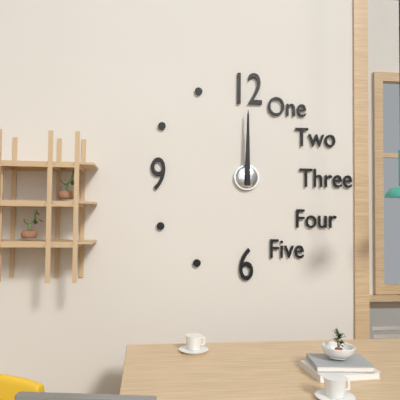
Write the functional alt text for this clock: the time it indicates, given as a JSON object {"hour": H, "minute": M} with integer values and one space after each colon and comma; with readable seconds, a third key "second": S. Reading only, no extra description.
{"hour": 12, "minute": 0}
